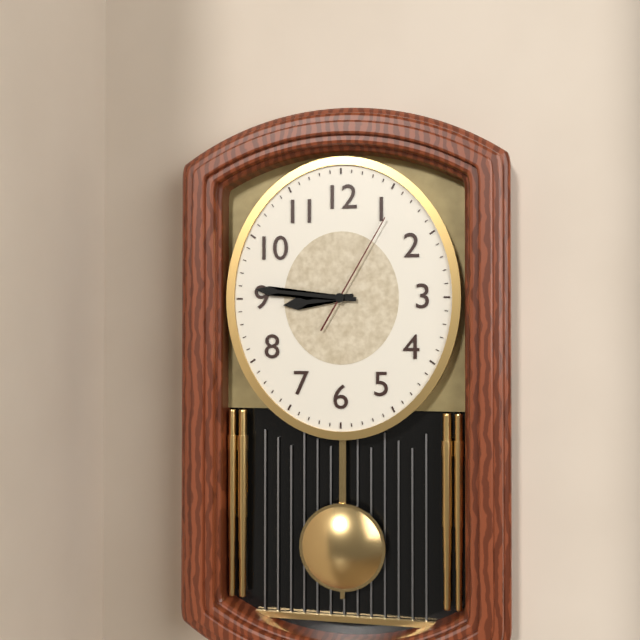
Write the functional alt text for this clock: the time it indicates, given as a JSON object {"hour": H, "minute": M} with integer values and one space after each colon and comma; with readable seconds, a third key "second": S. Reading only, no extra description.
{"hour": 8, "minute": 46, "second": 5}
